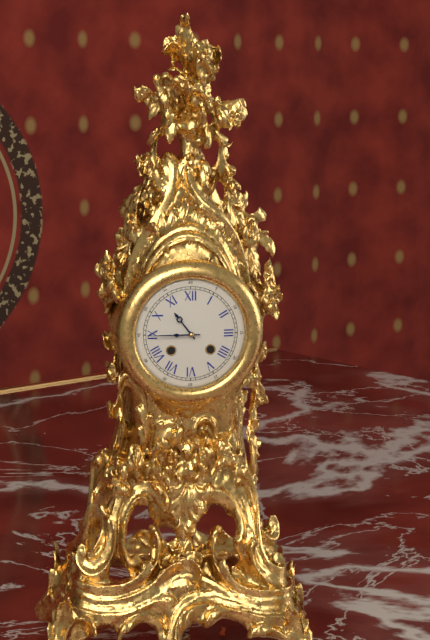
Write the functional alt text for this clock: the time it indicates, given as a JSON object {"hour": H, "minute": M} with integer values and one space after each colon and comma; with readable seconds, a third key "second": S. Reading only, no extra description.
{"hour": 10, "minute": 45}
